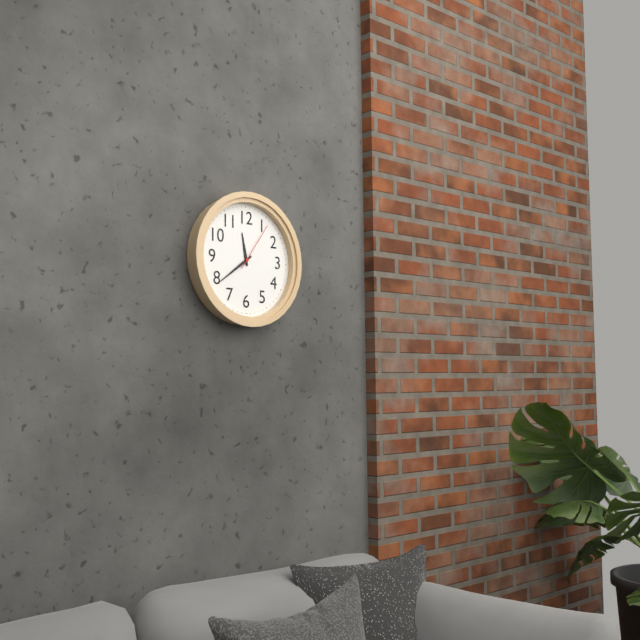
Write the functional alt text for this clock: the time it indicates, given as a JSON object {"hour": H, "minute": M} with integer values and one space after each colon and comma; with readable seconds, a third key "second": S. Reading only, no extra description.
{"hour": 11, "minute": 39, "second": 6}
